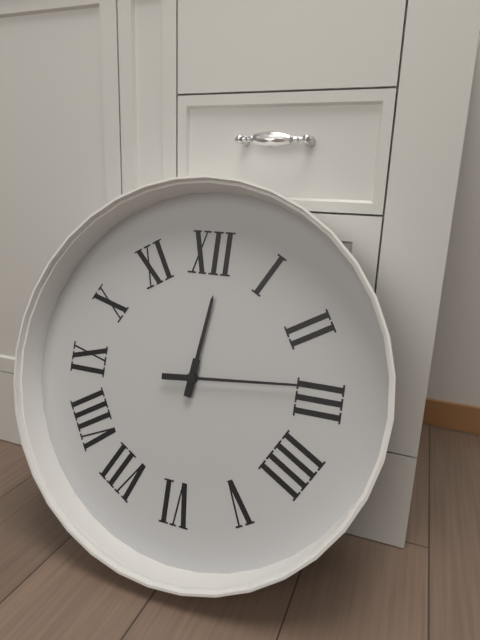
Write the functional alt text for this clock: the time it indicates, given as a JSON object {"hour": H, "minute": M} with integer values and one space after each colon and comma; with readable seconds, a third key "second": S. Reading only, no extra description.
{"hour": 12, "minute": 14}
